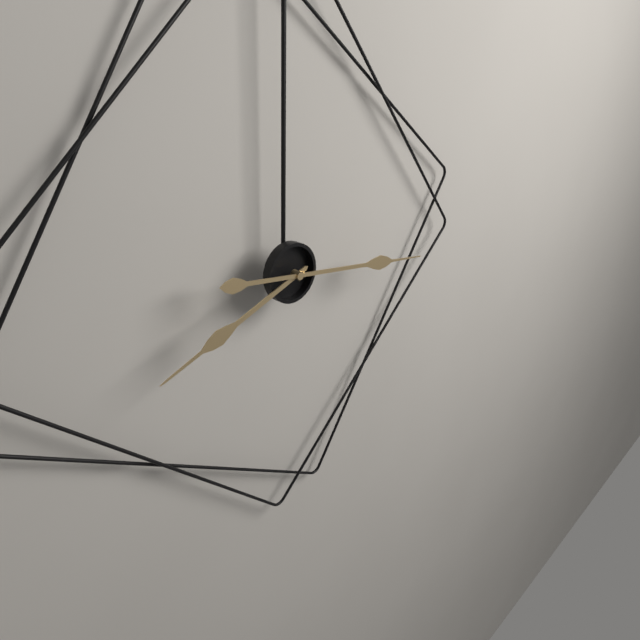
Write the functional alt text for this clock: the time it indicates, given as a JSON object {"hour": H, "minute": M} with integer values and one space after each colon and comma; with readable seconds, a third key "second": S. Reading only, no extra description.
{"hour": 8, "minute": 16}
